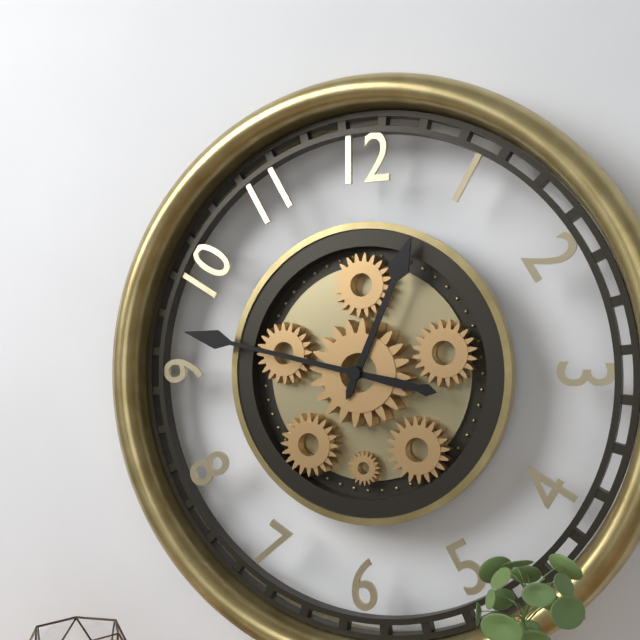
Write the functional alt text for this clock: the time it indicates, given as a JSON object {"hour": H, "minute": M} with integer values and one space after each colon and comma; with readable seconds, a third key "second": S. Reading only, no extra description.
{"hour": 12, "minute": 47}
